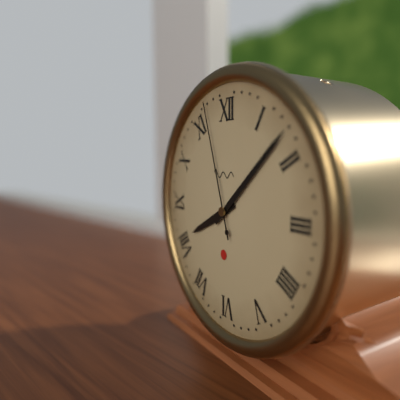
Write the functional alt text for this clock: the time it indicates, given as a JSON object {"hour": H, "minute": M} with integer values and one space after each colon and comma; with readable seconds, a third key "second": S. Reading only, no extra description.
{"hour": 8, "minute": 8, "second": 57}
